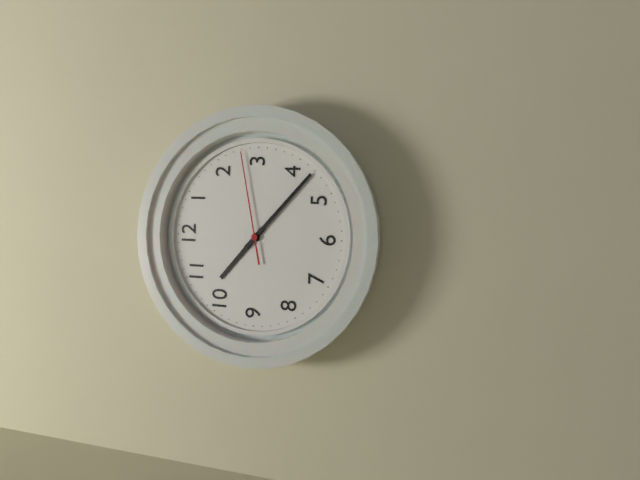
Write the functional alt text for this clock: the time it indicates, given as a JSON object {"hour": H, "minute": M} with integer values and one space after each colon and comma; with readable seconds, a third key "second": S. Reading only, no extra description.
{"hour": 10, "minute": 22, "second": 13}
